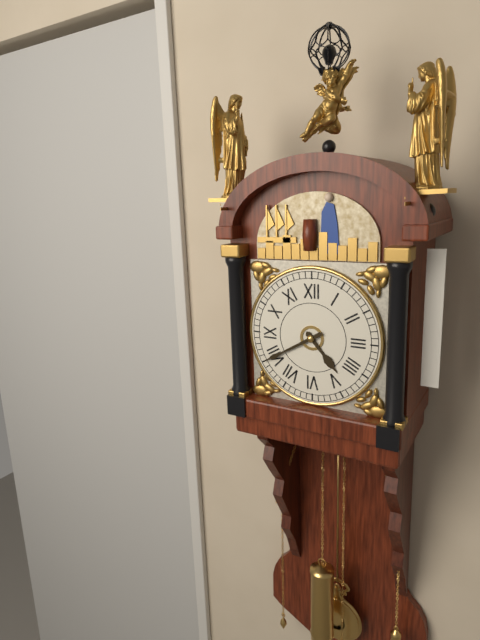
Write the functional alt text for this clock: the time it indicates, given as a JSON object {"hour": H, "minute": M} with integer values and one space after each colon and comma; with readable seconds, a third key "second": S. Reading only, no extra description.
{"hour": 4, "minute": 40}
